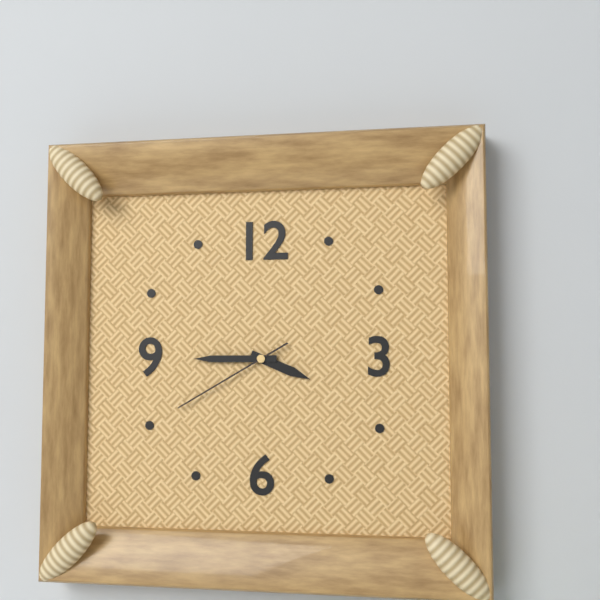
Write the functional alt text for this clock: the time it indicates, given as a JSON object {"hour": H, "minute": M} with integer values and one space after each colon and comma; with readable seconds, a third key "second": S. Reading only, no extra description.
{"hour": 3, "minute": 45, "second": 40}
